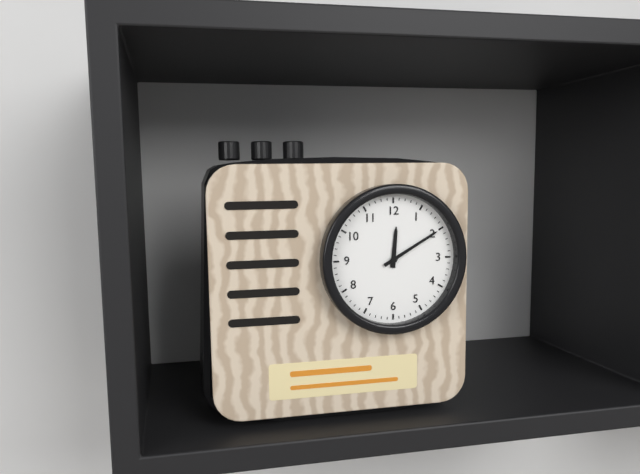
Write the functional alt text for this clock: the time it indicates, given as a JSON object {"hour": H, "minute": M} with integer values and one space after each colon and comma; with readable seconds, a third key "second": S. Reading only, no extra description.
{"hour": 12, "minute": 10}
